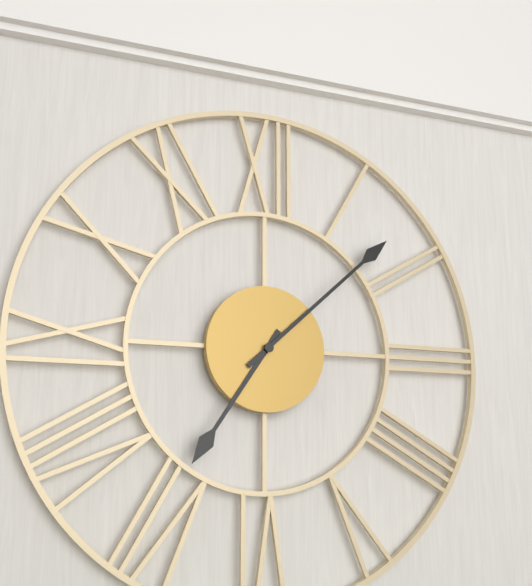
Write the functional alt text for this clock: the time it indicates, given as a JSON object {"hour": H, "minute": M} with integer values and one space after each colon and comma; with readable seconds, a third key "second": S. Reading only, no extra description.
{"hour": 7, "minute": 8}
